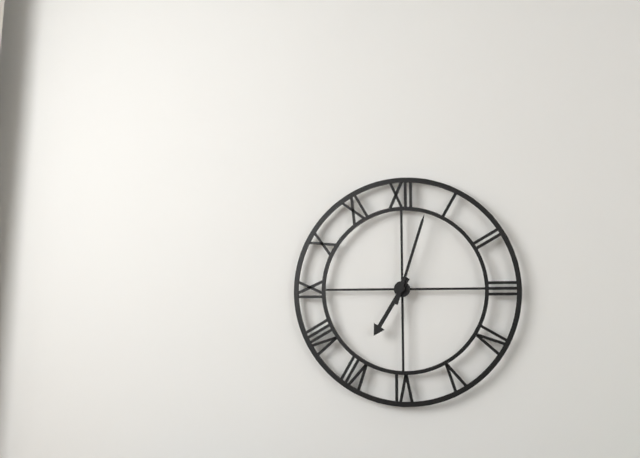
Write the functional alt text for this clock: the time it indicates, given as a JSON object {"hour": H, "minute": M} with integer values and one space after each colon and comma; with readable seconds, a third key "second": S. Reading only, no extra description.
{"hour": 7, "minute": 3}
